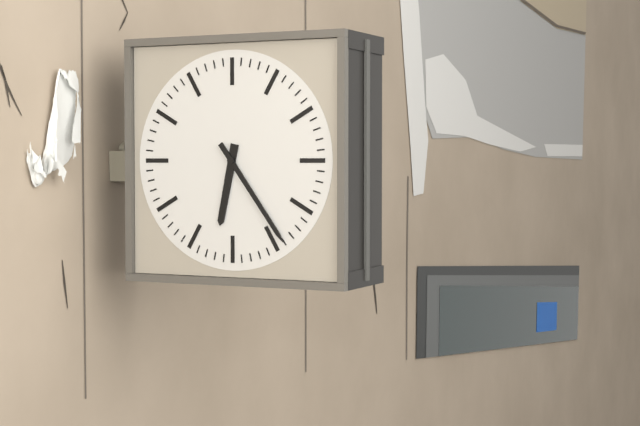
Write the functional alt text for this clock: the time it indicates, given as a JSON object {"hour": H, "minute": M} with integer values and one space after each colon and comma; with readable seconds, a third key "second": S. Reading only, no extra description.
{"hour": 6, "minute": 24}
